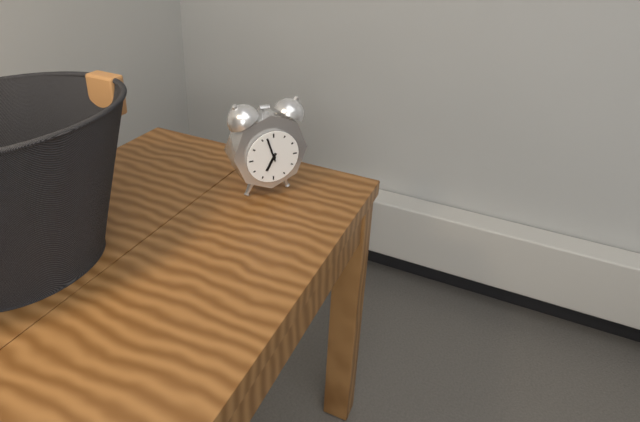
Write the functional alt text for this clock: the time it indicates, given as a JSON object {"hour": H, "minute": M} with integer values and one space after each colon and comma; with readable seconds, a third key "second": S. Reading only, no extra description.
{"hour": 6, "minute": 57}
